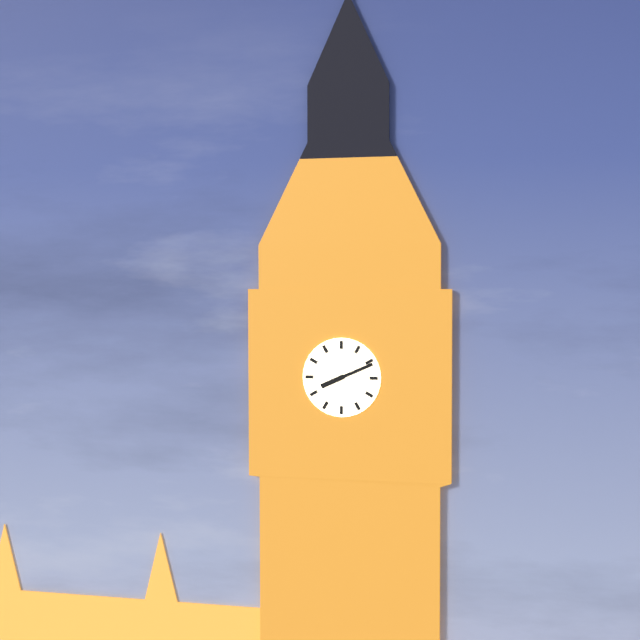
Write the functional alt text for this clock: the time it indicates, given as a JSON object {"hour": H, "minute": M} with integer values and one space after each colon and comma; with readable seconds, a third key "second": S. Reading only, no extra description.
{"hour": 8, "minute": 11}
